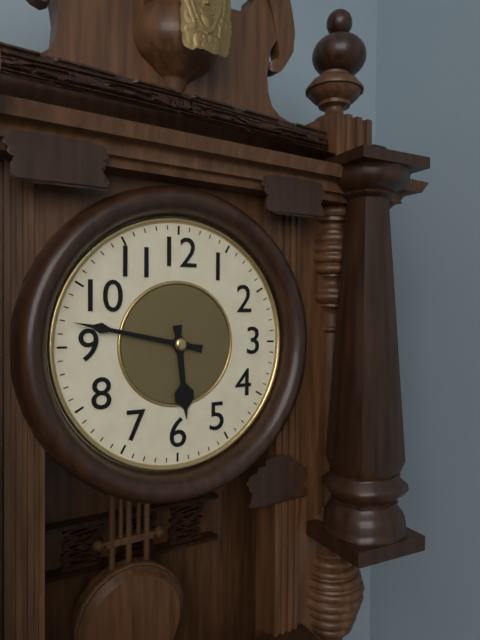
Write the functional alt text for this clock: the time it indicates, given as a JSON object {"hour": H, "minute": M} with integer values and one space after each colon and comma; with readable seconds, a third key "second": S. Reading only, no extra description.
{"hour": 5, "minute": 47}
